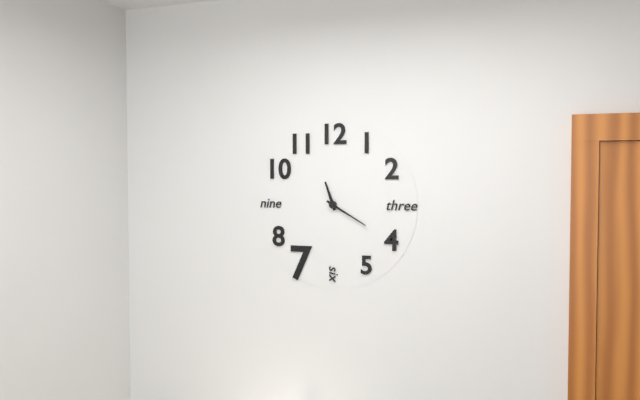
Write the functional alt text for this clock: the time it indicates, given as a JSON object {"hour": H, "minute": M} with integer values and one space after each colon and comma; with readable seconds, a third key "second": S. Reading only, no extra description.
{"hour": 11, "minute": 20}
